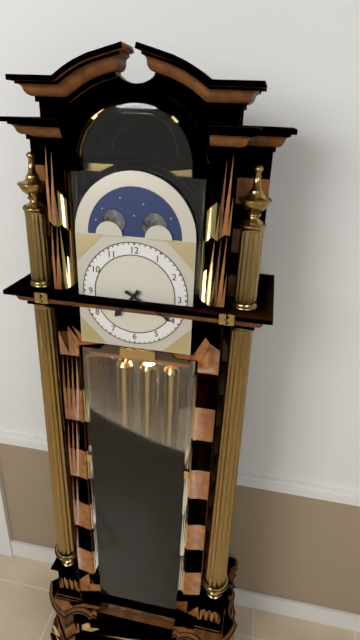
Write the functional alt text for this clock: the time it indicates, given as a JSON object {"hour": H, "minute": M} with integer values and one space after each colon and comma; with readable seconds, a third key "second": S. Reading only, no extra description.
{"hour": 7, "minute": 20}
